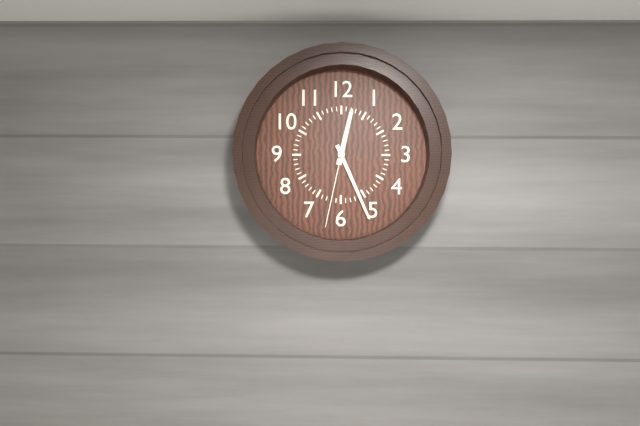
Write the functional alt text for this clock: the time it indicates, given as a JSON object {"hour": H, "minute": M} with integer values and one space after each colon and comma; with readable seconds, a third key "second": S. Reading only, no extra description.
{"hour": 12, "minute": 26, "second": 32}
